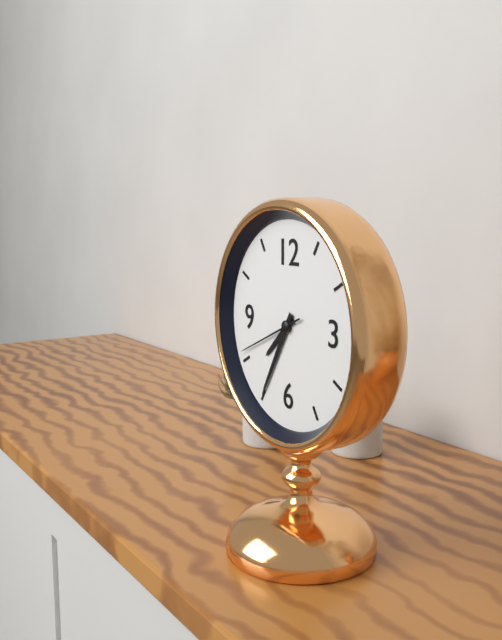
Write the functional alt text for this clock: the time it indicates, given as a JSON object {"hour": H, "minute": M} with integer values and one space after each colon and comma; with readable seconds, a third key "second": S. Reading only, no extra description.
{"hour": 7, "minute": 35, "second": 41}
